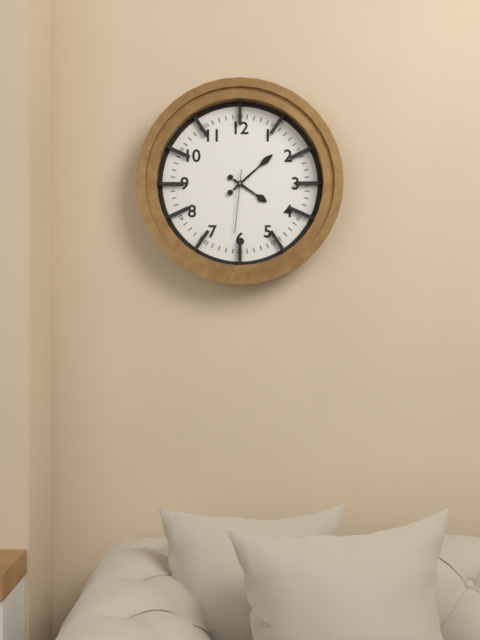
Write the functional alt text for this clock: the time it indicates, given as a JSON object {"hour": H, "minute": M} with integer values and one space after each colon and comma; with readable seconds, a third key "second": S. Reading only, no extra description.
{"hour": 4, "minute": 8, "second": 31}
